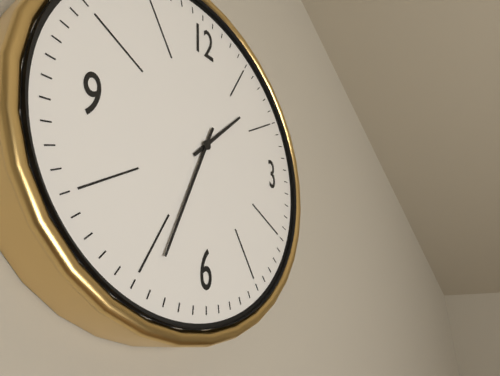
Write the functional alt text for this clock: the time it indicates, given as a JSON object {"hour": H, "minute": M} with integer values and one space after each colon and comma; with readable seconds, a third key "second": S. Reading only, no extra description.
{"hour": 1, "minute": 34}
